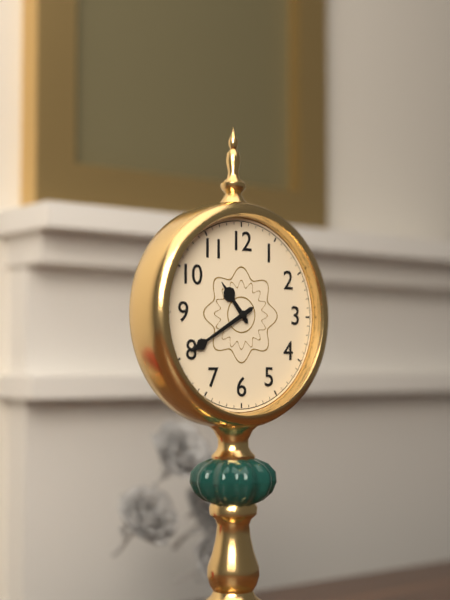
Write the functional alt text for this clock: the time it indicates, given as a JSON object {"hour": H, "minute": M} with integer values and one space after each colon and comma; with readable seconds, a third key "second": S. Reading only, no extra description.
{"hour": 10, "minute": 40}
